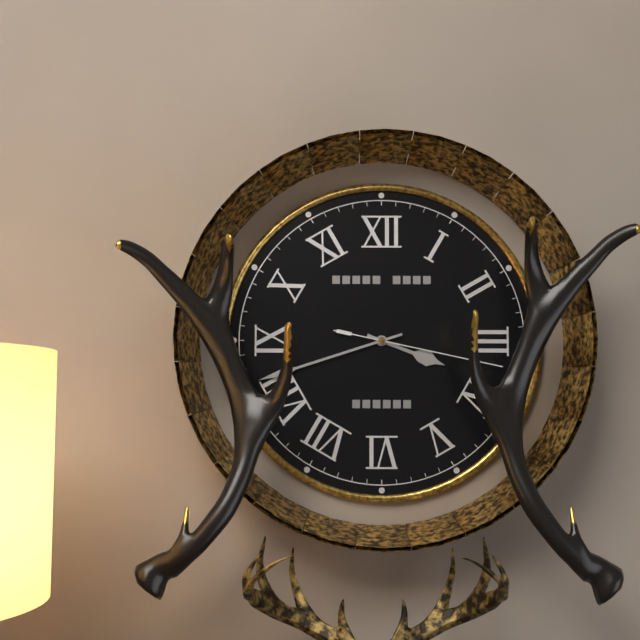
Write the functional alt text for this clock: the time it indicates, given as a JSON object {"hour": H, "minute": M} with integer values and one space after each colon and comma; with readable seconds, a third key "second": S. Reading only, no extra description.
{"hour": 3, "minute": 42, "second": 17}
